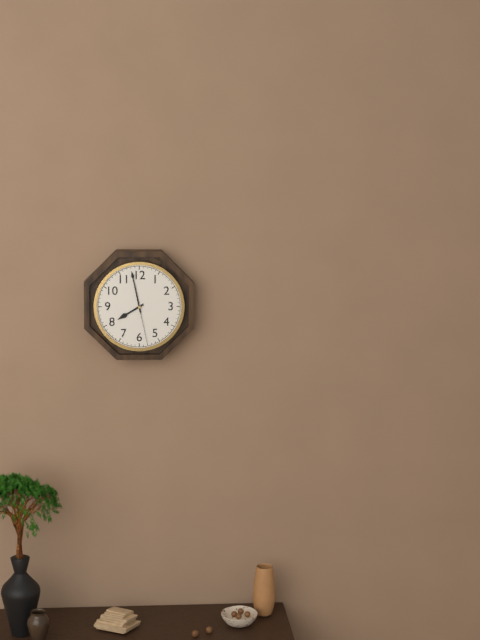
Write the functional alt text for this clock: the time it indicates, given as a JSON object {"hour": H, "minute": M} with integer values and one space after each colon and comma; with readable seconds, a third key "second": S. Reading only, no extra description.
{"hour": 7, "minute": 58}
